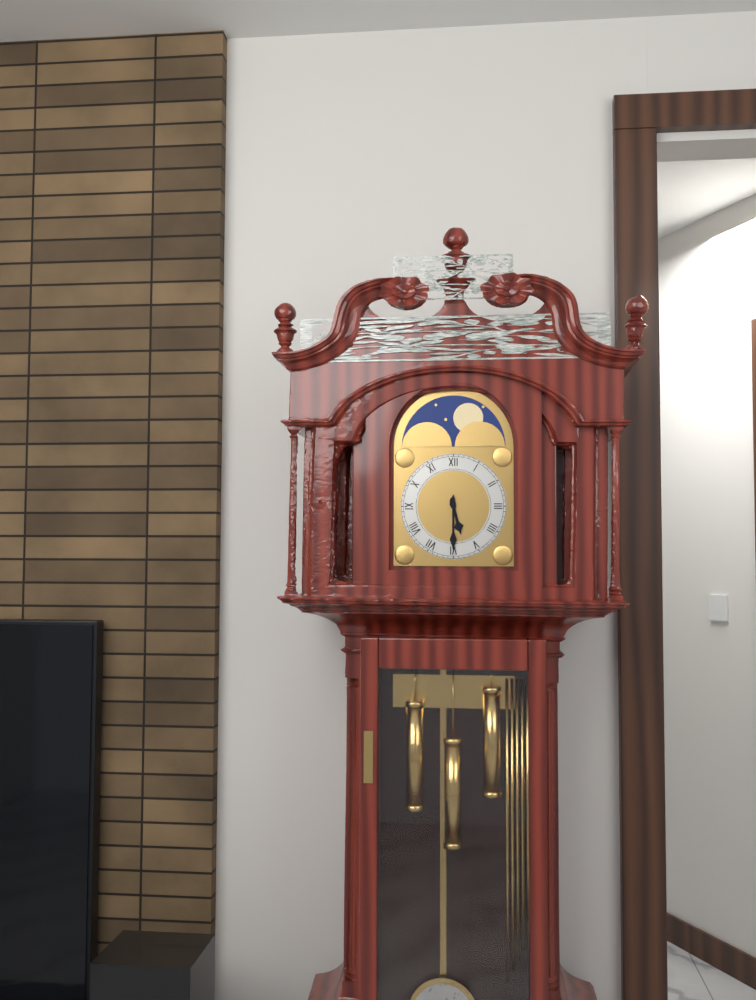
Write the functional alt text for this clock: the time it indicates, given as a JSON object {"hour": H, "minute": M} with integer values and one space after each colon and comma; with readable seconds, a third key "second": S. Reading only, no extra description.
{"hour": 5, "minute": 30}
